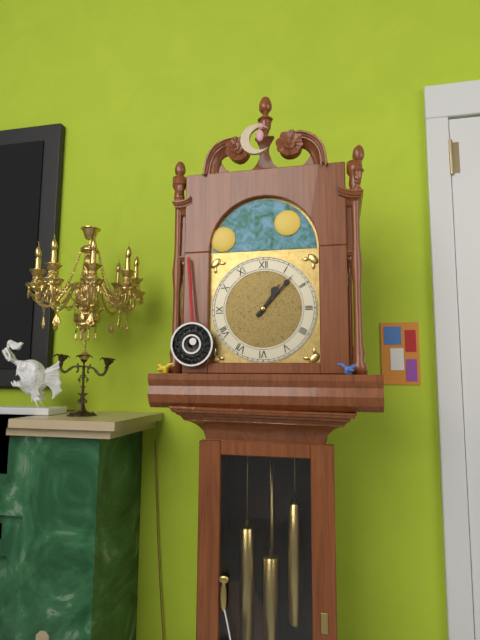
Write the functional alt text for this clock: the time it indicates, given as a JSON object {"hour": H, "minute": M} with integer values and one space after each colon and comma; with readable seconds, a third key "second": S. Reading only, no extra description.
{"hour": 1, "minute": 7}
